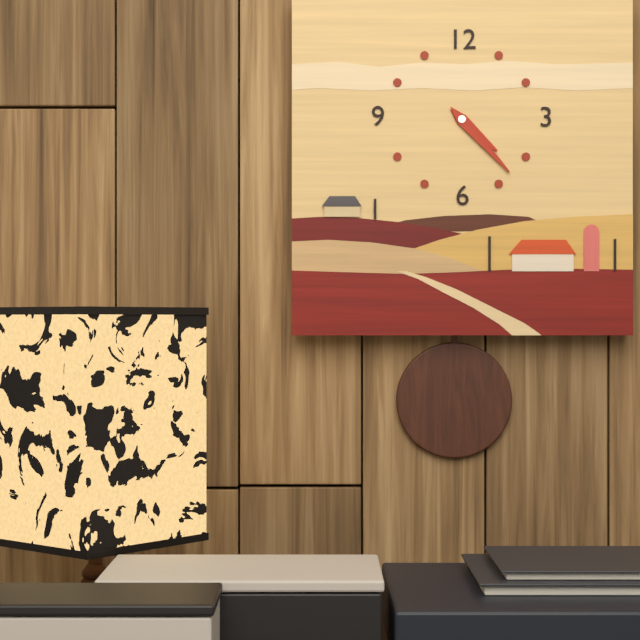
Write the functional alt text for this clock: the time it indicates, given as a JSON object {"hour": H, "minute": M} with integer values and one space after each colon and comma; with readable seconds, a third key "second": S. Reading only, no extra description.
{"hour": 4, "minute": 23}
